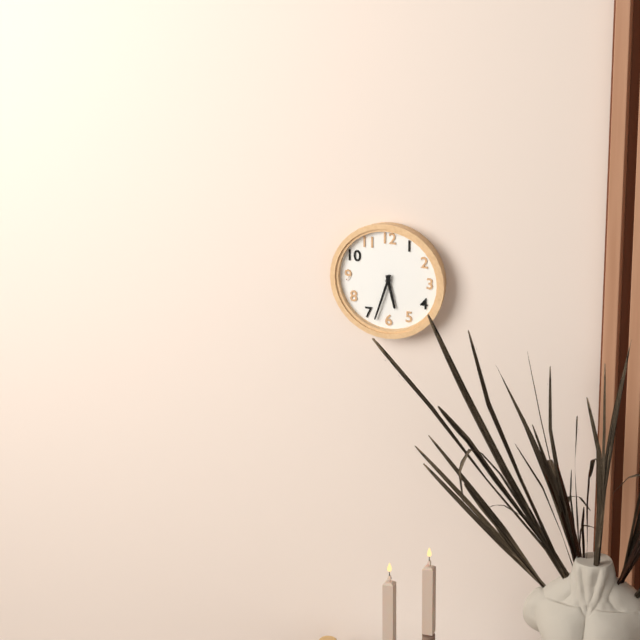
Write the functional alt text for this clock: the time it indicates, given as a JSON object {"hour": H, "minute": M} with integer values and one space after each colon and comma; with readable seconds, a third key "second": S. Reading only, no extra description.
{"hour": 5, "minute": 33}
